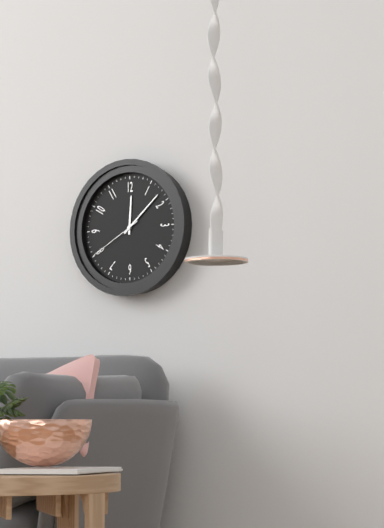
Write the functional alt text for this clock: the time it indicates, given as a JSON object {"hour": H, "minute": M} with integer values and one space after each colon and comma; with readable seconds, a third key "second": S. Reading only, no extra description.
{"hour": 12, "minute": 8, "second": 40}
